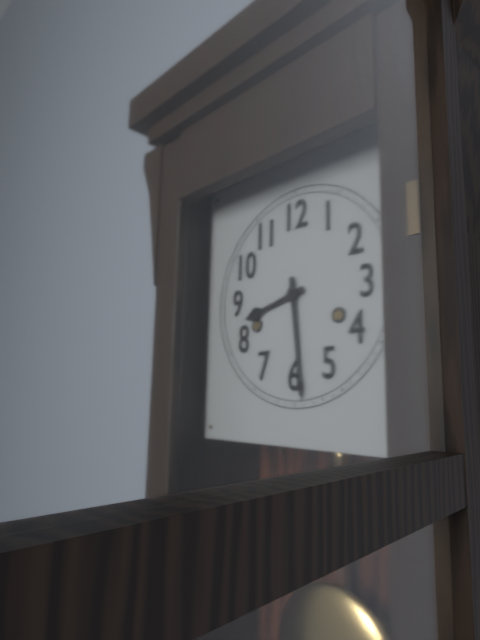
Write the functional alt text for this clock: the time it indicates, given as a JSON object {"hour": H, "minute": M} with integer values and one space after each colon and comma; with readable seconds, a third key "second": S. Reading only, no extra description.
{"hour": 8, "minute": 29}
